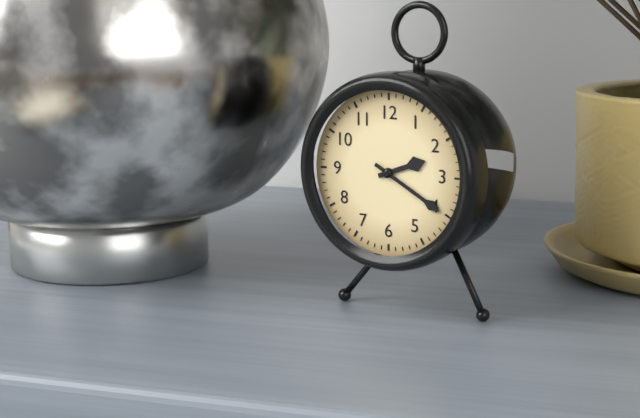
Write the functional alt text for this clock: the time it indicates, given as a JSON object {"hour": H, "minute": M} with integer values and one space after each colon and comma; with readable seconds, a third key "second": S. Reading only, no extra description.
{"hour": 2, "minute": 20}
